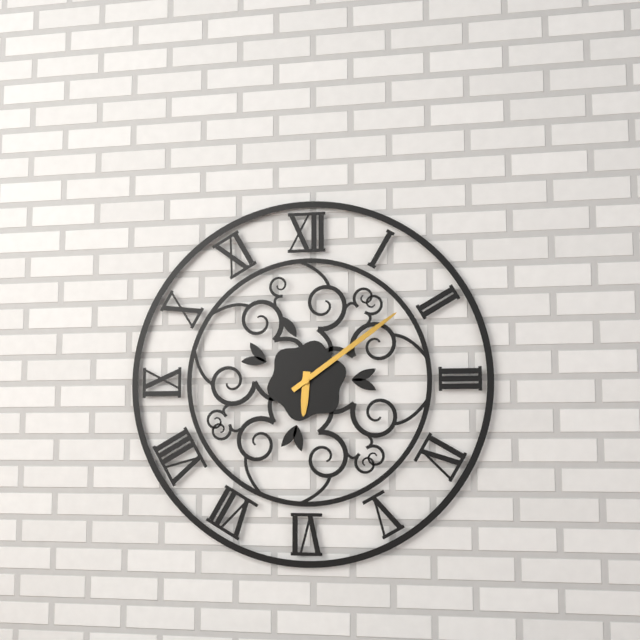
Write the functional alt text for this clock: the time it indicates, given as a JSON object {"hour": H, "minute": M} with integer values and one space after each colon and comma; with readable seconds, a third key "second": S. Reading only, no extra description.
{"hour": 6, "minute": 9}
